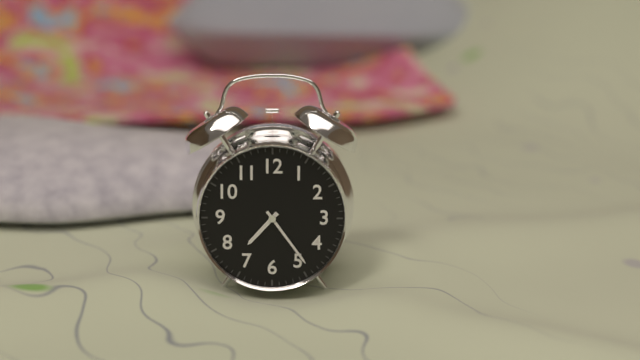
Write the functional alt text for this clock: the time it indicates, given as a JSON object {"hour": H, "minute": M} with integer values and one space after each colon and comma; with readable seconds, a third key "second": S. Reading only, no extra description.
{"hour": 7, "minute": 24}
